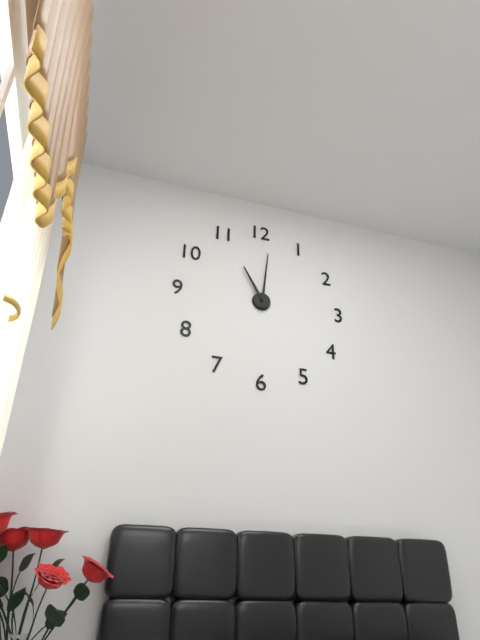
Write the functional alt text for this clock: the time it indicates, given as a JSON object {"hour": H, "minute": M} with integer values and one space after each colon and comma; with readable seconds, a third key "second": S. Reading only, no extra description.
{"hour": 11, "minute": 1}
